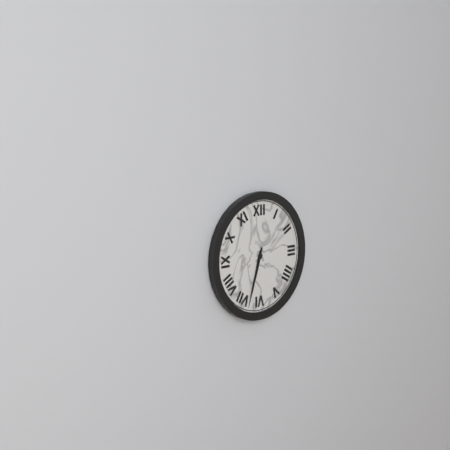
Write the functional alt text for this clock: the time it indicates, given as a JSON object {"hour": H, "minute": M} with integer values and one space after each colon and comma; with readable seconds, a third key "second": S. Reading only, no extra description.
{"hour": 6, "minute": 33}
